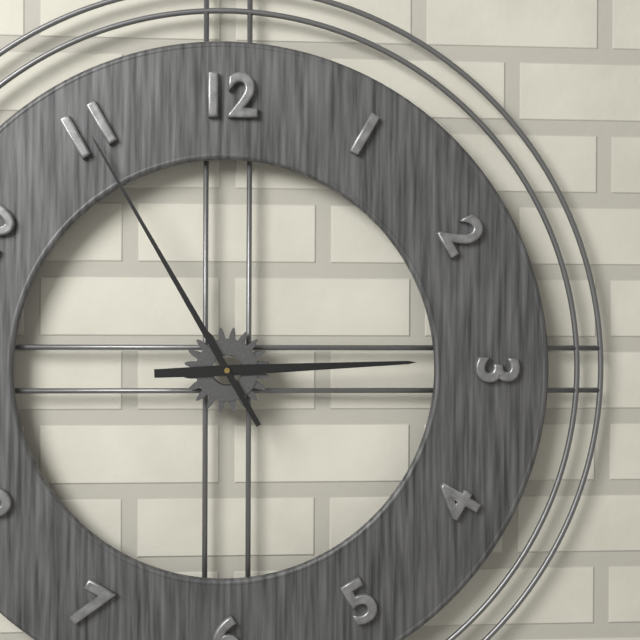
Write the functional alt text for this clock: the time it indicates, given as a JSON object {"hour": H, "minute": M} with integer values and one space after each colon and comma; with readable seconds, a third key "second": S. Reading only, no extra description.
{"hour": 2, "minute": 55}
